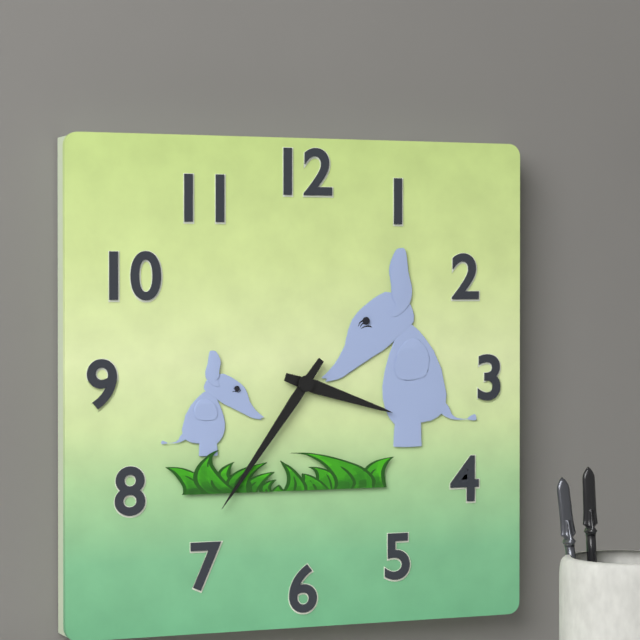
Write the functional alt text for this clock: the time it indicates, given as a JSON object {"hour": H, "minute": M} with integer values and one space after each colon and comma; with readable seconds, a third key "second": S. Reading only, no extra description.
{"hour": 3, "minute": 36}
